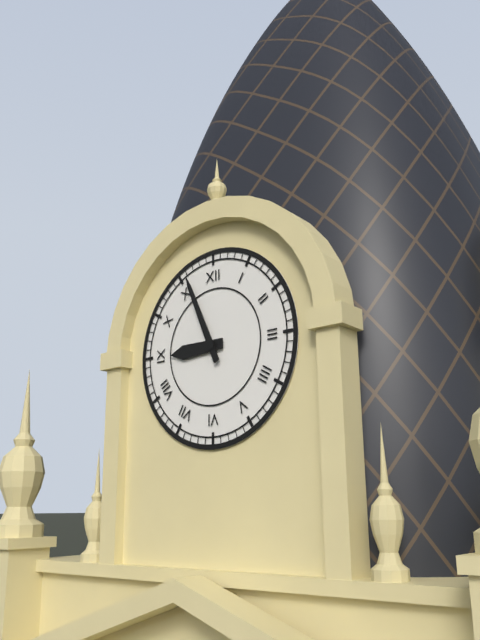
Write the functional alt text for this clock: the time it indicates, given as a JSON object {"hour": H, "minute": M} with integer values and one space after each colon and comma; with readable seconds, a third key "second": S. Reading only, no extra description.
{"hour": 8, "minute": 56}
